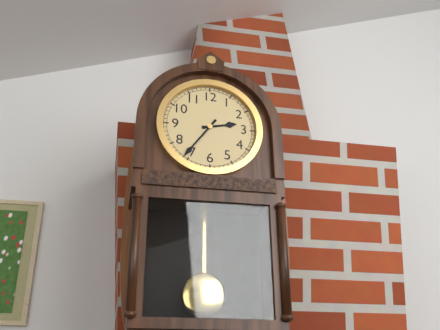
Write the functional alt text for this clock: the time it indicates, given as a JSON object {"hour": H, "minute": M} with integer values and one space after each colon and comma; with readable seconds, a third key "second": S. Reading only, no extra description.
{"hour": 2, "minute": 36}
